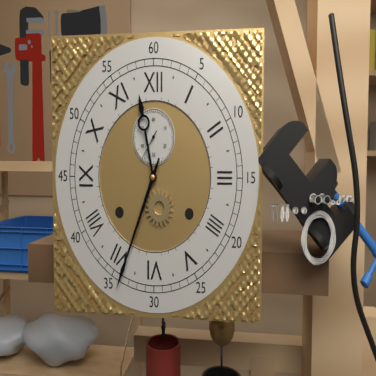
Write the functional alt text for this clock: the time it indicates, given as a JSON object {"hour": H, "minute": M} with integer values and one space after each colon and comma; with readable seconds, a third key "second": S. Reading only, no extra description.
{"hour": 11, "minute": 34}
